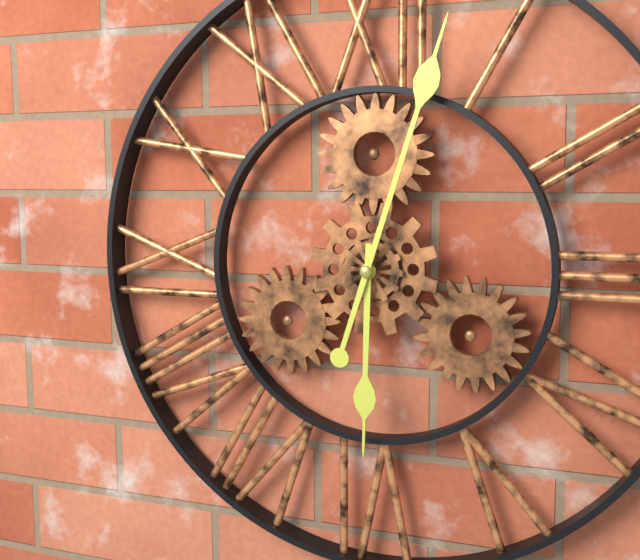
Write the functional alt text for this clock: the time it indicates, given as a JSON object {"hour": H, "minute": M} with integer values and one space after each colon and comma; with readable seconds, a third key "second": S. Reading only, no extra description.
{"hour": 6, "minute": 3}
